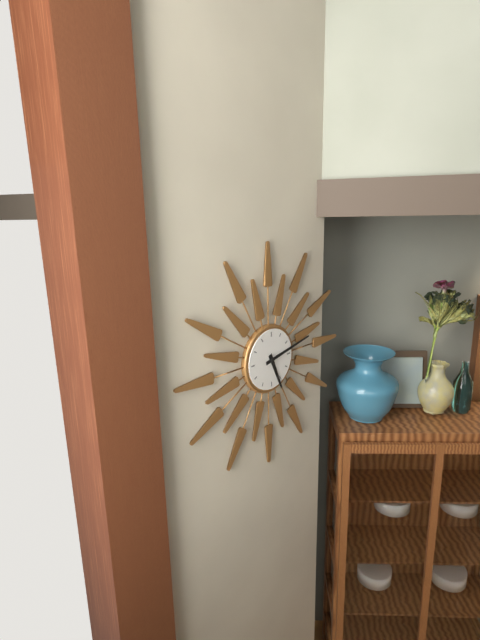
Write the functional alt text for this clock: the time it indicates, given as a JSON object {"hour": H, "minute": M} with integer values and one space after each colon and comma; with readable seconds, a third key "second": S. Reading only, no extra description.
{"hour": 5, "minute": 13}
